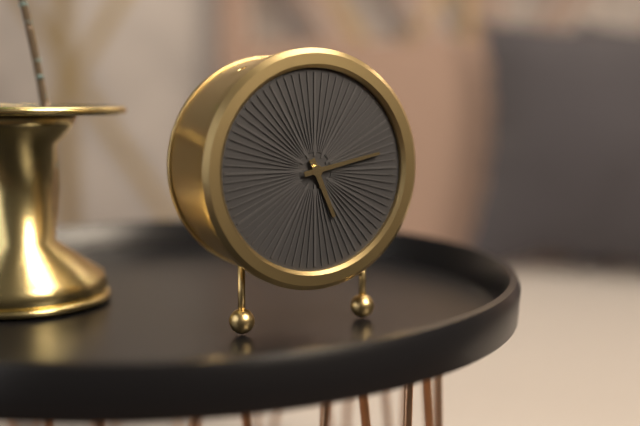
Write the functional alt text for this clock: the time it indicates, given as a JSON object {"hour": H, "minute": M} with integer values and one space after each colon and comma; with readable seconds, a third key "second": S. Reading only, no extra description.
{"hour": 5, "minute": 13}
